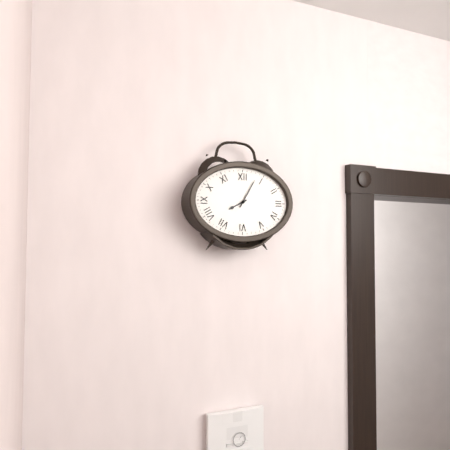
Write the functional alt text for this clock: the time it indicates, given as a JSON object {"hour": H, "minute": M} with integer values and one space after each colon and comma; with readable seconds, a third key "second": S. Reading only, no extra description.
{"hour": 8, "minute": 5}
